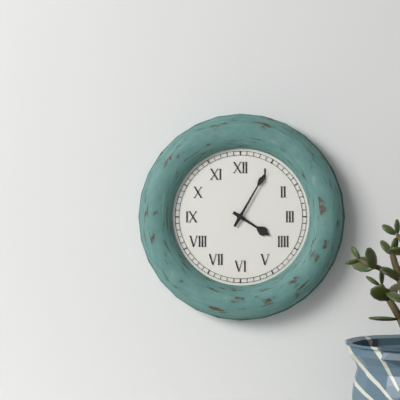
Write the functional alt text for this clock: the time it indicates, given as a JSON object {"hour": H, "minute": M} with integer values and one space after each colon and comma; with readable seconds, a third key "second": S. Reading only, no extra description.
{"hour": 4, "minute": 5}
